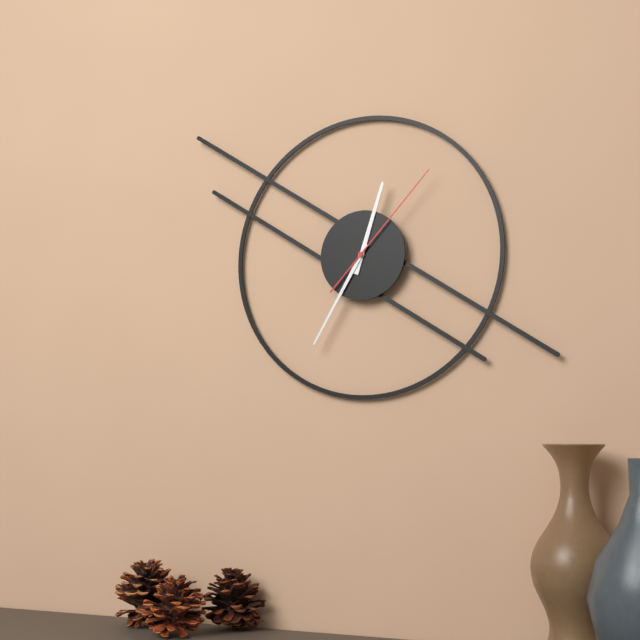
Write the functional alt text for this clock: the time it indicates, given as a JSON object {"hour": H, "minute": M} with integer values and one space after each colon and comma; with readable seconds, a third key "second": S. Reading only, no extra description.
{"hour": 12, "minute": 35, "second": 7}
